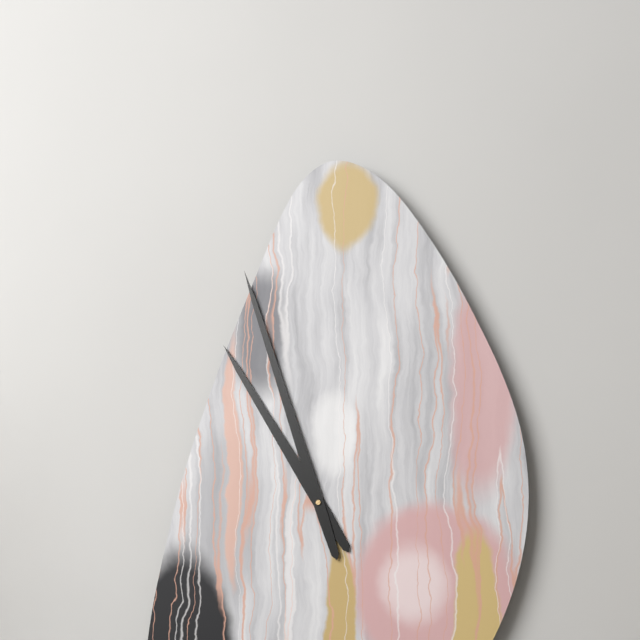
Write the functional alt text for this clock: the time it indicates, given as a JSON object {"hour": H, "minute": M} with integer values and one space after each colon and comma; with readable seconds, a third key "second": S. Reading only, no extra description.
{"hour": 10, "minute": 57}
